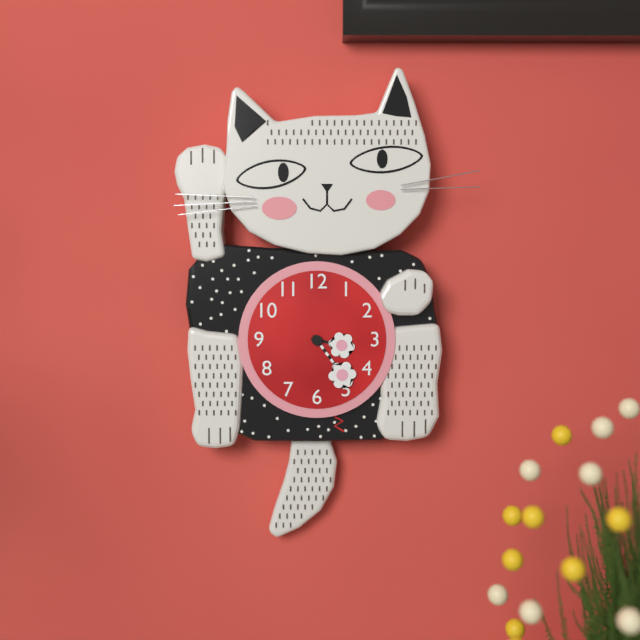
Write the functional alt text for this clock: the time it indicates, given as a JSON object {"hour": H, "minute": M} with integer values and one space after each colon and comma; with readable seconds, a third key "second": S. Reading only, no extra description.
{"hour": 3, "minute": 24}
